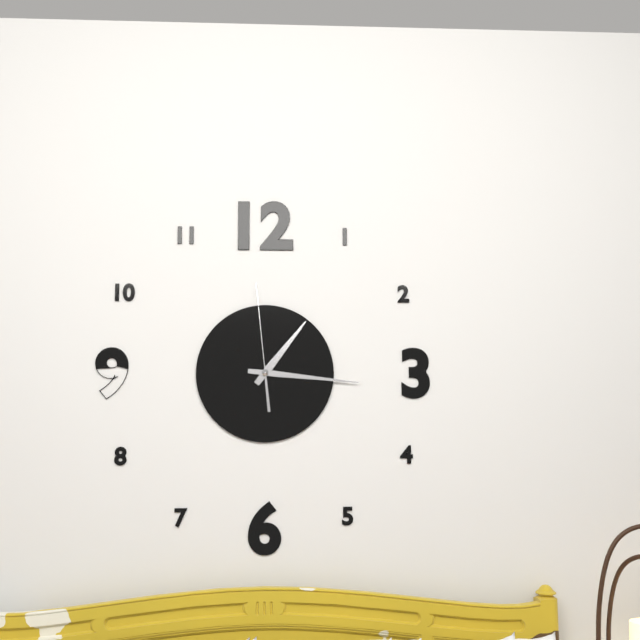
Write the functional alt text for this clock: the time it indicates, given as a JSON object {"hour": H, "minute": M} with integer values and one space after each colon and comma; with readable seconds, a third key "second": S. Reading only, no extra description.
{"hour": 1, "minute": 16, "second": 59}
